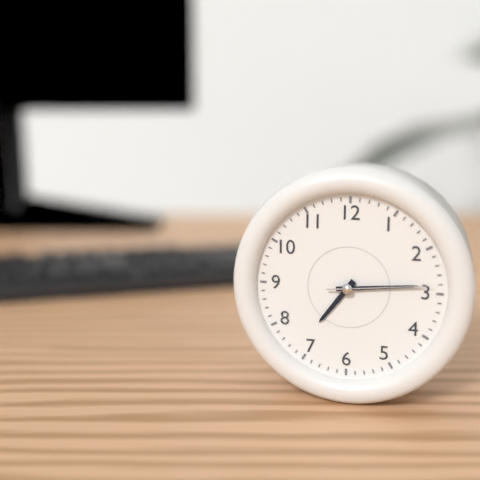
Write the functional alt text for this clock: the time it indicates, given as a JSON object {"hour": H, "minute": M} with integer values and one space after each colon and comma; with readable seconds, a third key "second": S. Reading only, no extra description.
{"hour": 7, "minute": 14, "second": 14}
